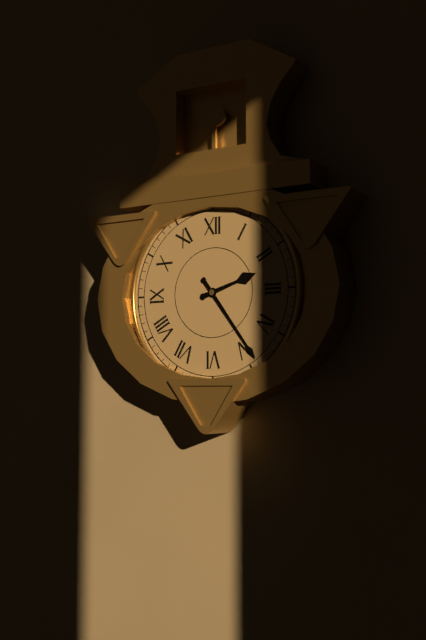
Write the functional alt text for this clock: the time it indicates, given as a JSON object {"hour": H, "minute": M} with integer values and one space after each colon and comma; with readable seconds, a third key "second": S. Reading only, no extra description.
{"hour": 2, "minute": 24}
